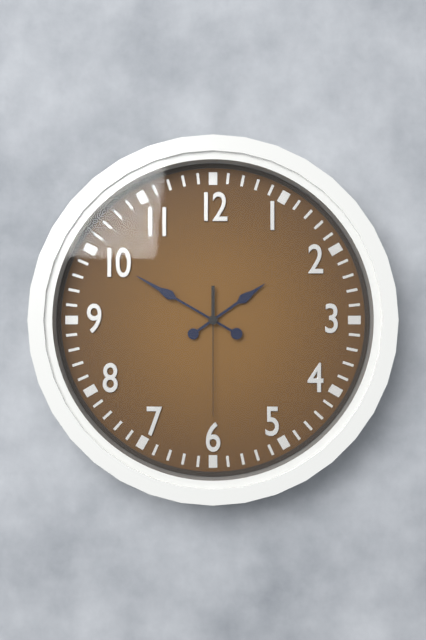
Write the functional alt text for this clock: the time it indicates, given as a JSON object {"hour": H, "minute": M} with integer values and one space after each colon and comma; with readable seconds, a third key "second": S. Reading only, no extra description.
{"hour": 1, "minute": 50, "second": 30}
